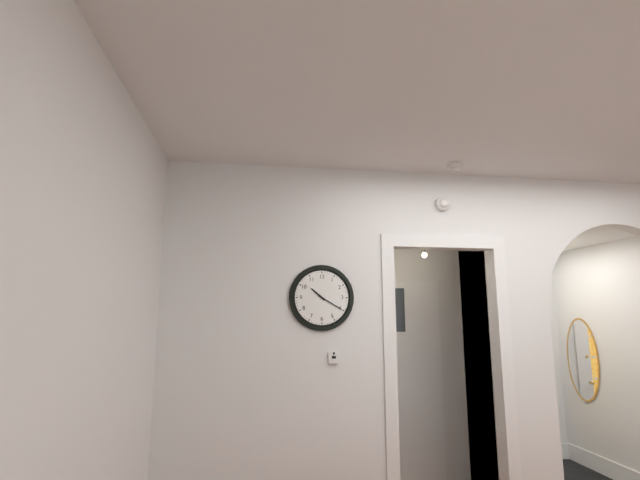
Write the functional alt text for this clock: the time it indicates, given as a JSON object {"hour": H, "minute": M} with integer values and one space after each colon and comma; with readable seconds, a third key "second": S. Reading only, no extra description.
{"hour": 10, "minute": 20}
